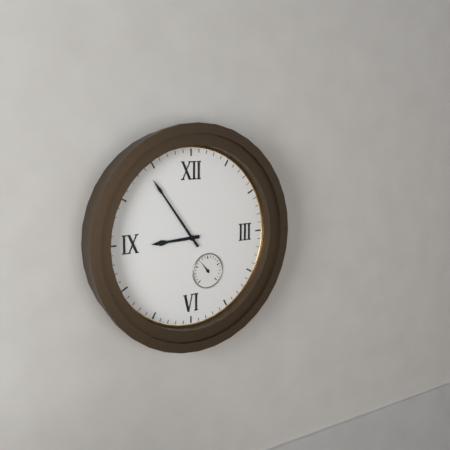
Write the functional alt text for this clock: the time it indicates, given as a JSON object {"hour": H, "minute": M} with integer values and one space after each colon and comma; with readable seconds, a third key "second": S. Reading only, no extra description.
{"hour": 8, "minute": 54}
